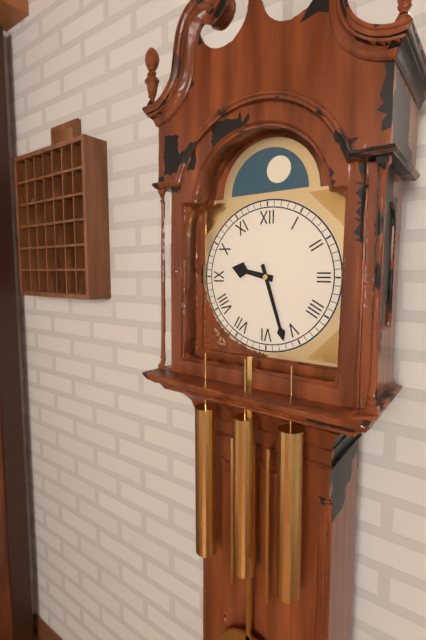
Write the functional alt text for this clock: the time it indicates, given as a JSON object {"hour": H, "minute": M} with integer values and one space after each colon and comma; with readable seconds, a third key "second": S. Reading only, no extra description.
{"hour": 9, "minute": 27}
